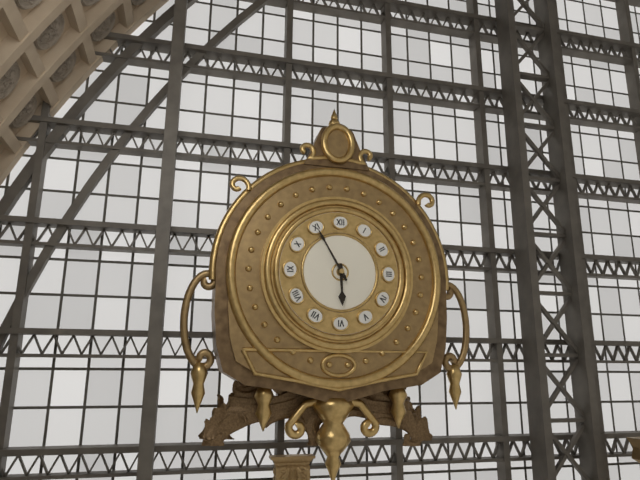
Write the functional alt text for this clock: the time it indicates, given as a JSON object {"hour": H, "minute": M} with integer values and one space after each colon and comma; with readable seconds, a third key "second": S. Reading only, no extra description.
{"hour": 5, "minute": 55}
